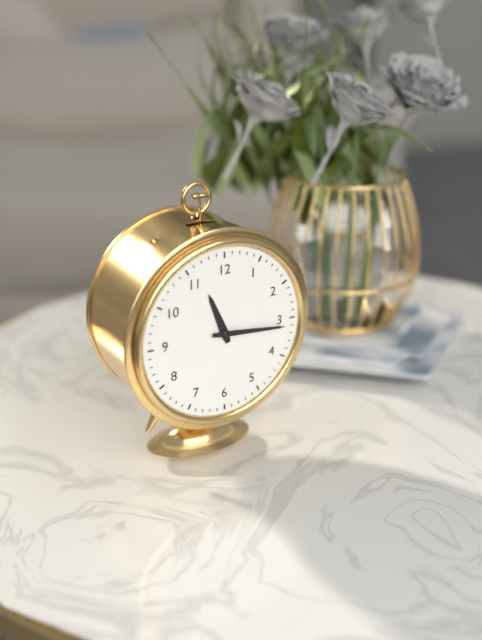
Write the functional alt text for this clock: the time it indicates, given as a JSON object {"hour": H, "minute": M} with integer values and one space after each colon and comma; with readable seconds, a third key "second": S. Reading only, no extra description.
{"hour": 11, "minute": 16}
